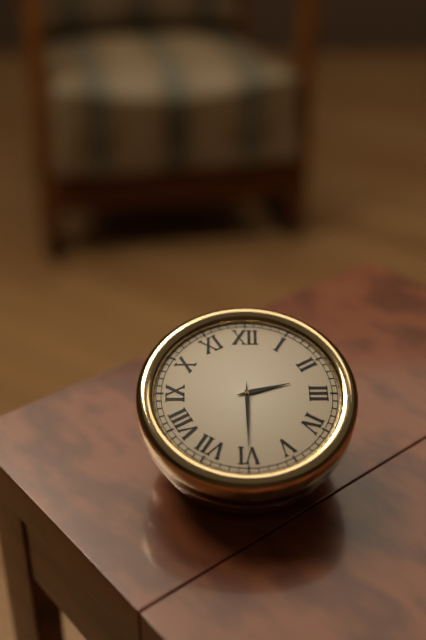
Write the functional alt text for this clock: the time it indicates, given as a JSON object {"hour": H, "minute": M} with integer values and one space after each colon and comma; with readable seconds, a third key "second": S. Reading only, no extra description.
{"hour": 2, "minute": 30}
